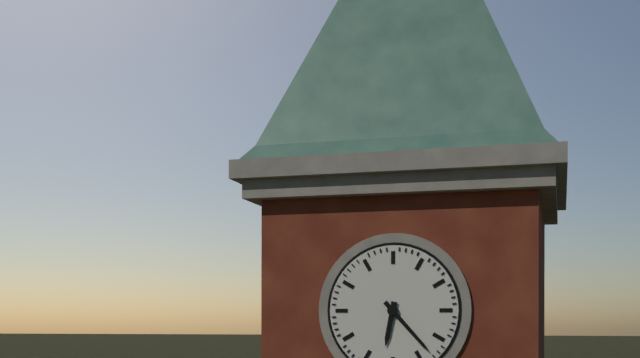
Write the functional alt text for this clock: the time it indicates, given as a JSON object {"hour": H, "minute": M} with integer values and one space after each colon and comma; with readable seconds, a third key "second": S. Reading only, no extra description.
{"hour": 6, "minute": 23}
